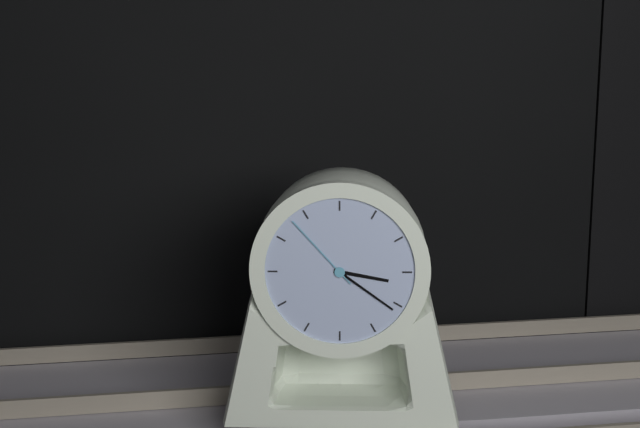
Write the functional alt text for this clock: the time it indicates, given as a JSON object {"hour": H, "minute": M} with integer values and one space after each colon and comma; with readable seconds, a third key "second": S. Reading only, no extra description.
{"hour": 3, "minute": 21, "second": 53}
